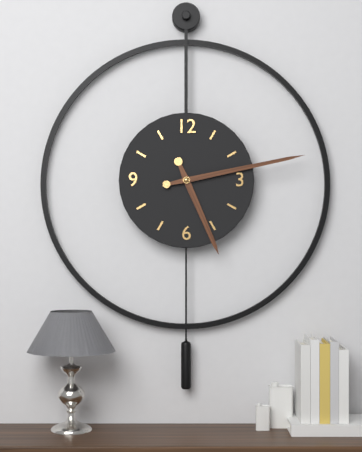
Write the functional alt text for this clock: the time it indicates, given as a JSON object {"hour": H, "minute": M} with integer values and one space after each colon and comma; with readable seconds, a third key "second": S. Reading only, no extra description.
{"hour": 5, "minute": 13}
